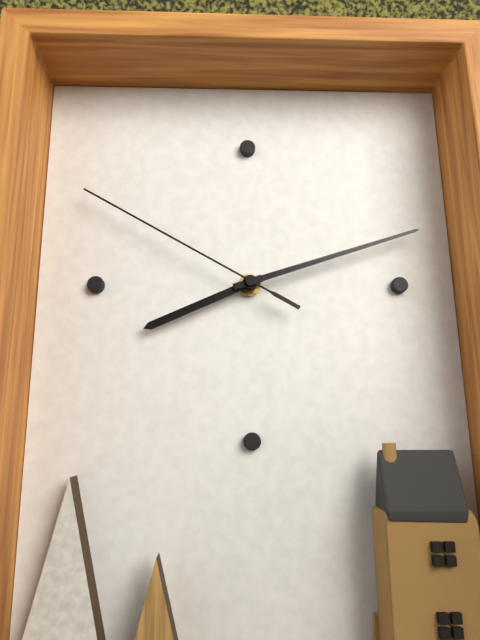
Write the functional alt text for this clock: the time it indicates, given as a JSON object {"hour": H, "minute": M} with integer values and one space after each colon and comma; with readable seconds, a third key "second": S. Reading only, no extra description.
{"hour": 8, "minute": 12, "second": 50}
